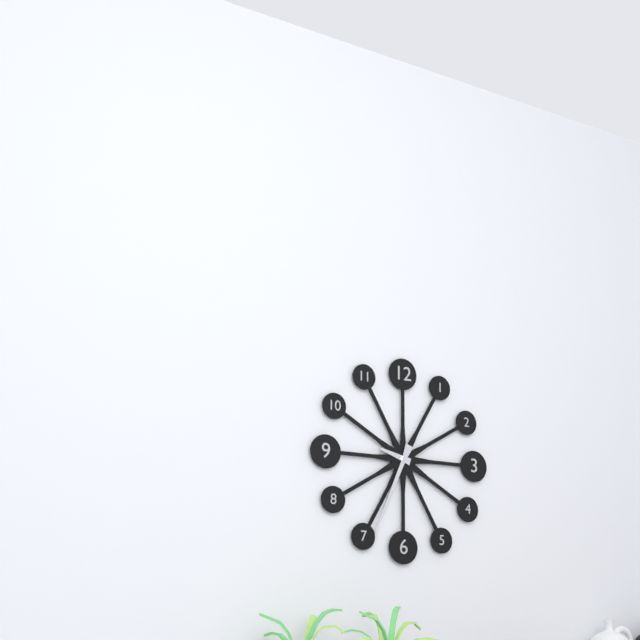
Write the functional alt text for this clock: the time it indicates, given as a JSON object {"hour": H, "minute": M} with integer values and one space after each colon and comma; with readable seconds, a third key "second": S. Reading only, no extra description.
{"hour": 9, "minute": 34}
